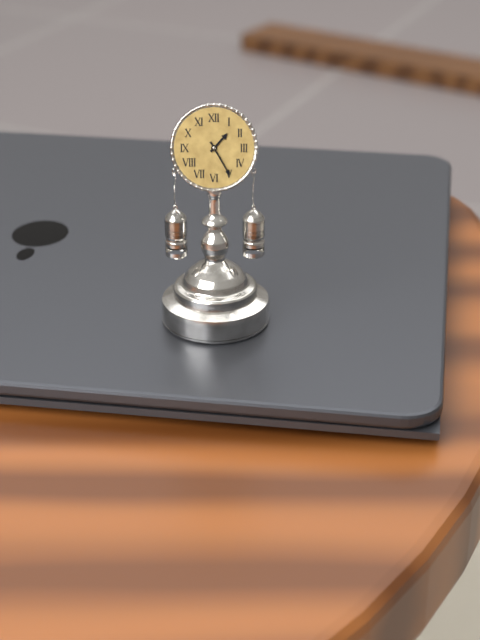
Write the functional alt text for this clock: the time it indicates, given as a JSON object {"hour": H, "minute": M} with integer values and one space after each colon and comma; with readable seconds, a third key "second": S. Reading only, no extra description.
{"hour": 1, "minute": 25}
